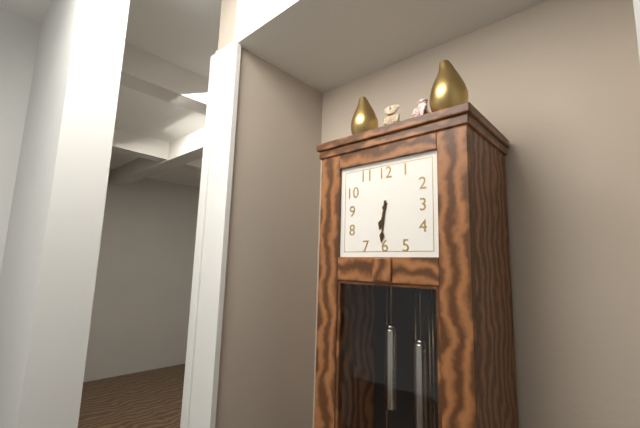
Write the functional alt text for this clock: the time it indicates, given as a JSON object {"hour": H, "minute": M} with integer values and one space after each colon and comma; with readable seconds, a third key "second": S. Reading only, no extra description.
{"hour": 6, "minute": 31}
